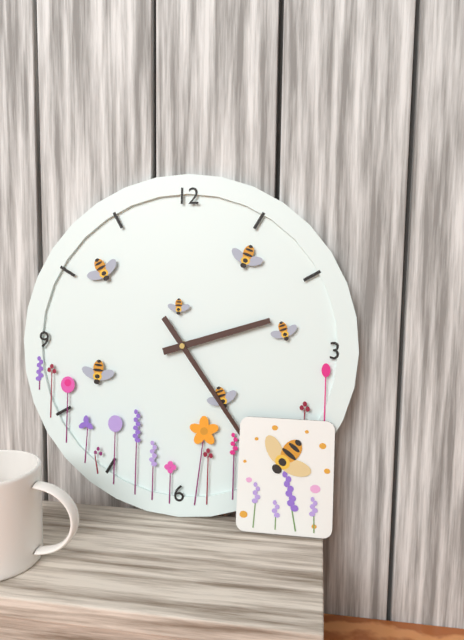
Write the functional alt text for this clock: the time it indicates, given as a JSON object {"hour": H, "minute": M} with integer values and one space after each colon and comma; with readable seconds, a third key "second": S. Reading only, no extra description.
{"hour": 2, "minute": 24}
